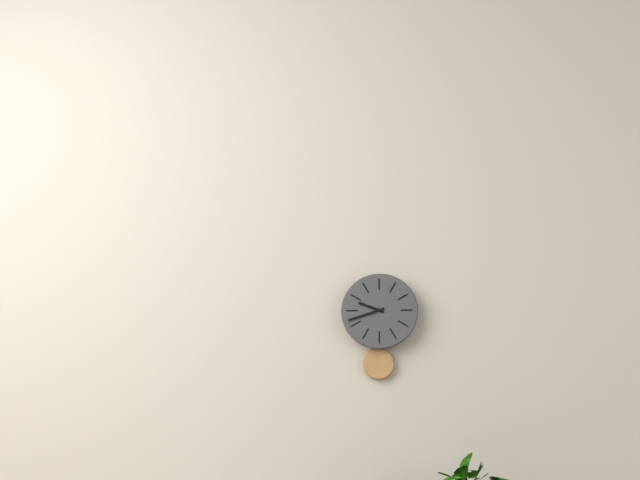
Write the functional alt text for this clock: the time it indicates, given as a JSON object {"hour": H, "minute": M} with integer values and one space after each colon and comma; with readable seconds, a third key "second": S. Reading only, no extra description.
{"hour": 9, "minute": 42}
